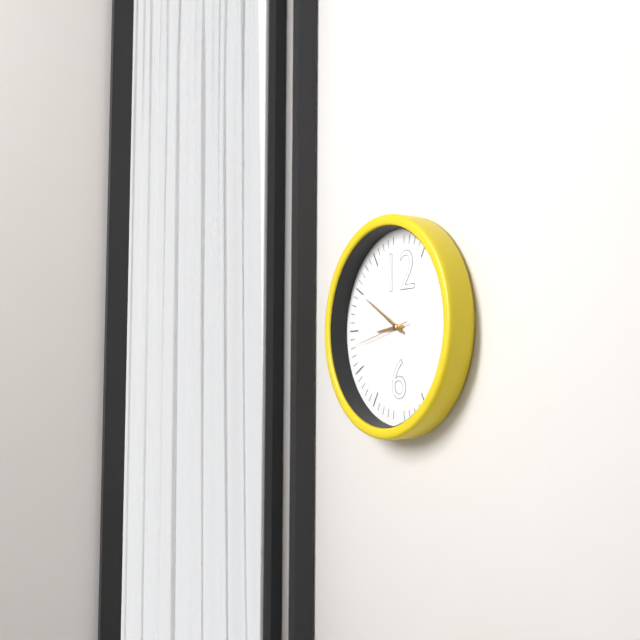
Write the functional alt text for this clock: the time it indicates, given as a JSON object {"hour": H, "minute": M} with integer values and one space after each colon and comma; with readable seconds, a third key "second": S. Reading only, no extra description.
{"hour": 8, "minute": 50, "second": 43}
